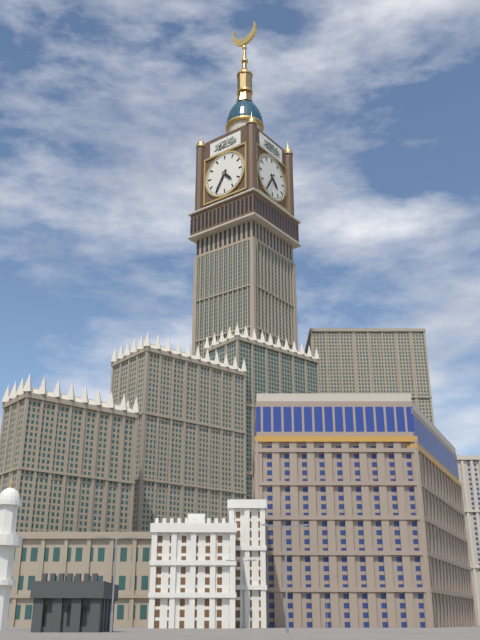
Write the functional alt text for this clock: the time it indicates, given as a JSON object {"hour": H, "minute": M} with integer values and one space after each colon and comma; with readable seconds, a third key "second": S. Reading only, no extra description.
{"hour": 4, "minute": 35}
